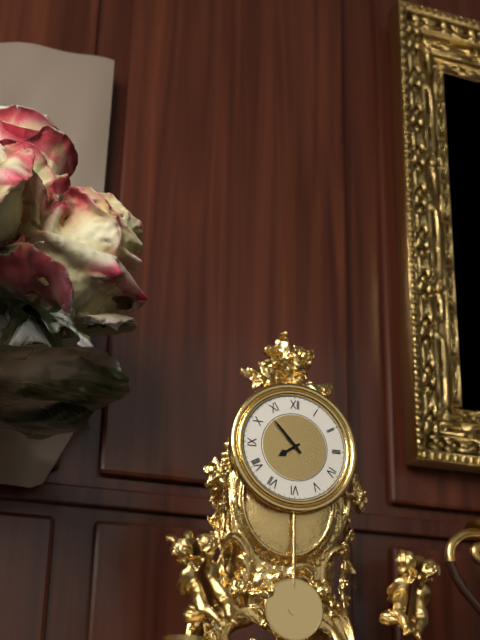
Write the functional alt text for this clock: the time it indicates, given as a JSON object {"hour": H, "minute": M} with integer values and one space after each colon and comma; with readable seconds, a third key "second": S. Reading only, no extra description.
{"hour": 7, "minute": 53}
